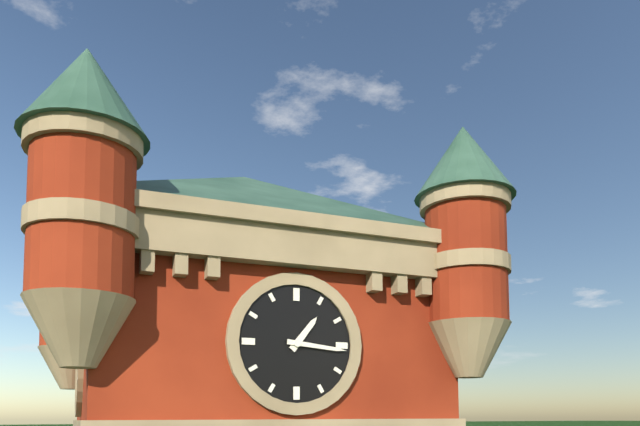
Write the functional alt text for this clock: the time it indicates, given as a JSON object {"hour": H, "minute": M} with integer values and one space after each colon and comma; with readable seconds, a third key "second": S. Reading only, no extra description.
{"hour": 1, "minute": 16}
